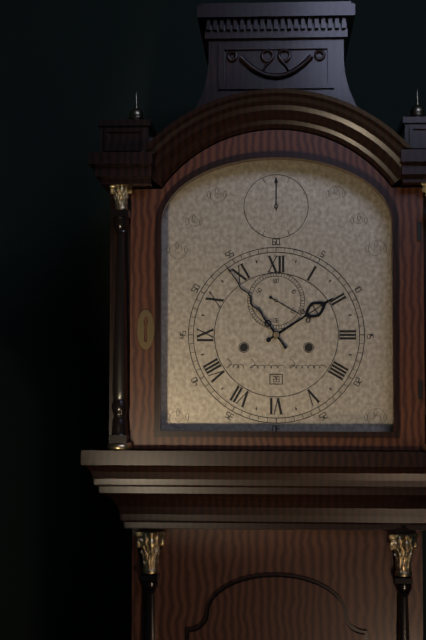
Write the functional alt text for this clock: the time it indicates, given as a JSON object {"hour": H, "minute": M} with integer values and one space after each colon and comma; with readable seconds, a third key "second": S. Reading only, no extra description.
{"hour": 1, "minute": 54}
